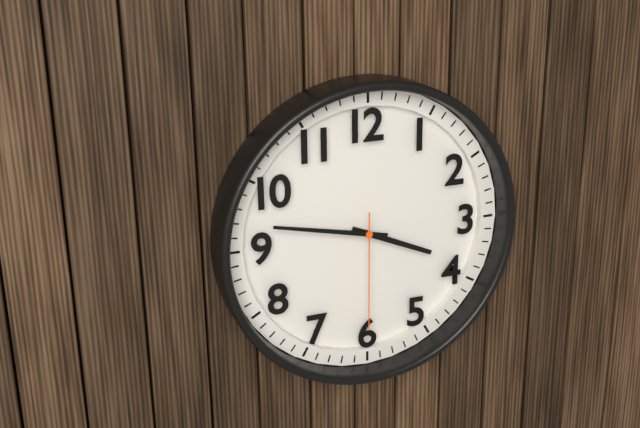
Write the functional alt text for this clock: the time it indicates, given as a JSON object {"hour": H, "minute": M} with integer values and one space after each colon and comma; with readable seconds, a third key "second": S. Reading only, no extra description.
{"hour": 3, "minute": 47, "second": 30}
